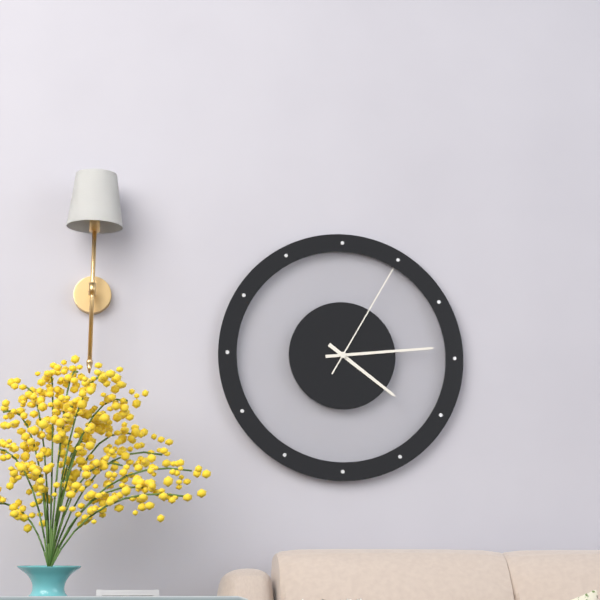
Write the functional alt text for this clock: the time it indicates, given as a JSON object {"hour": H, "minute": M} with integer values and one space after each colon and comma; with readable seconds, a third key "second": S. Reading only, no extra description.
{"hour": 4, "minute": 14, "second": 5}
